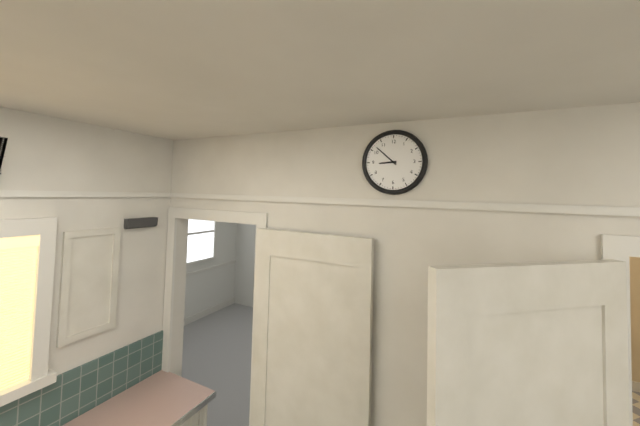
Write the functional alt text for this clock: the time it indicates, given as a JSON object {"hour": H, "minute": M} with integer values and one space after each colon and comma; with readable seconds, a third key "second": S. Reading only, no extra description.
{"hour": 8, "minute": 52}
